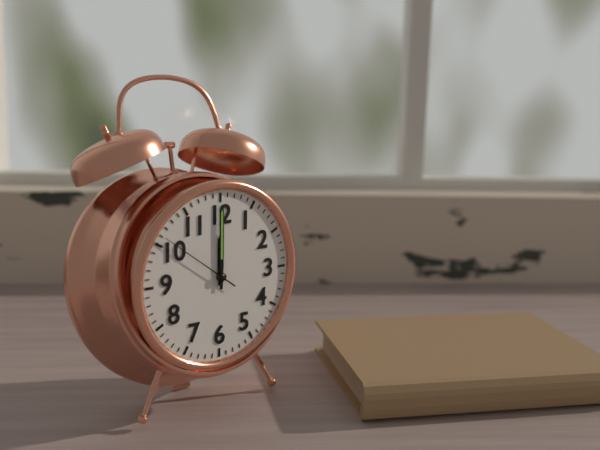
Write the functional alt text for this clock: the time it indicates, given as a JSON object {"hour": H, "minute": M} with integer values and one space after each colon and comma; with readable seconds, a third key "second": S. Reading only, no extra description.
{"hour": 12, "minute": 0, "second": 51}
